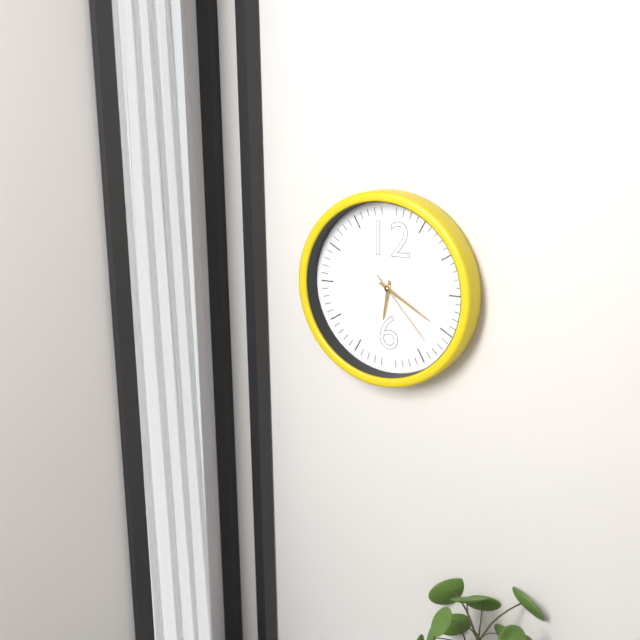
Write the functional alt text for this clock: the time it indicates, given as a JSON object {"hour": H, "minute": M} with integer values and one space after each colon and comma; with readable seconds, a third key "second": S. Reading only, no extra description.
{"hour": 6, "minute": 20, "second": 23}
